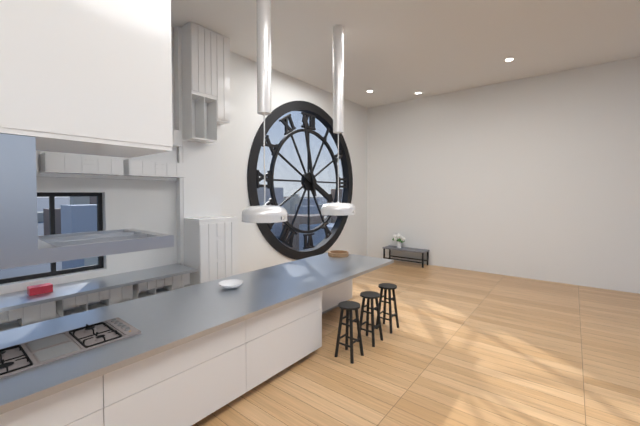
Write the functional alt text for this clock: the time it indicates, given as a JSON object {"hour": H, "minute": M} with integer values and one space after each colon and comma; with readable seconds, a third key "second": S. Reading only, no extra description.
{"hour": 3, "minute": 58}
